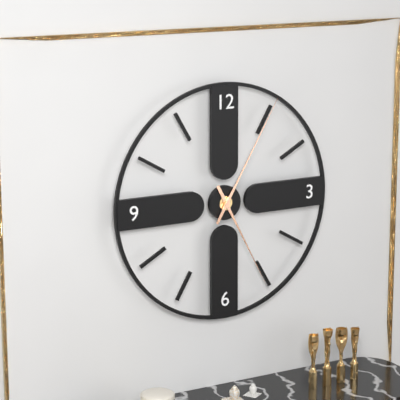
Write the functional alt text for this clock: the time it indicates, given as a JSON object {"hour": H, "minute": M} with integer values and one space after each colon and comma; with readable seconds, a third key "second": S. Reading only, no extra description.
{"hour": 5, "minute": 5}
